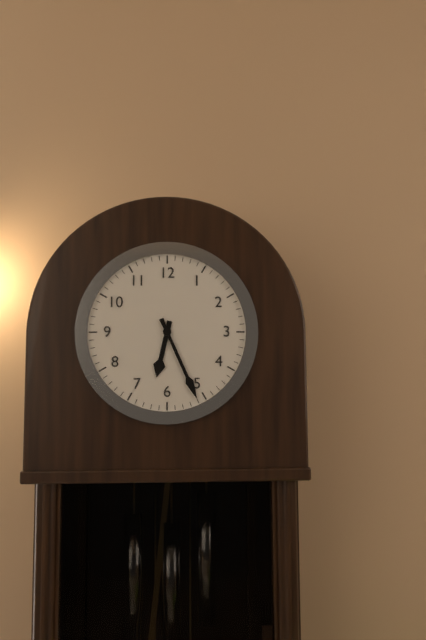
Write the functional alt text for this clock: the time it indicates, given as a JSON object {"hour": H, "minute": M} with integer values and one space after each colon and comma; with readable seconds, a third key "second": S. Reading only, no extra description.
{"hour": 6, "minute": 26}
